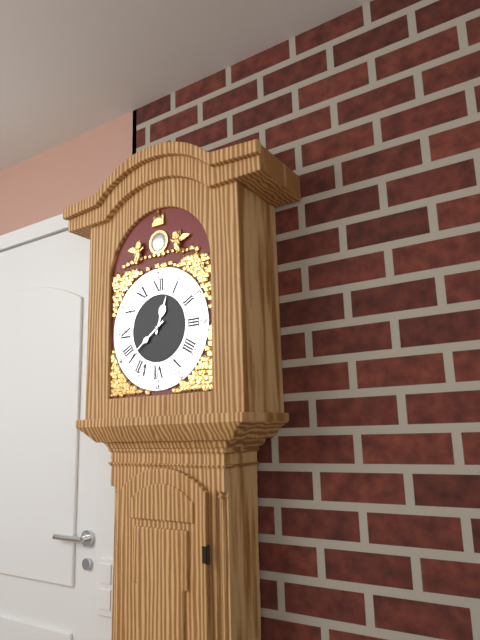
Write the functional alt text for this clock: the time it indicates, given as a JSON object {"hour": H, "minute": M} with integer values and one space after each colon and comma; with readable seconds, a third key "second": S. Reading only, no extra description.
{"hour": 12, "minute": 39}
